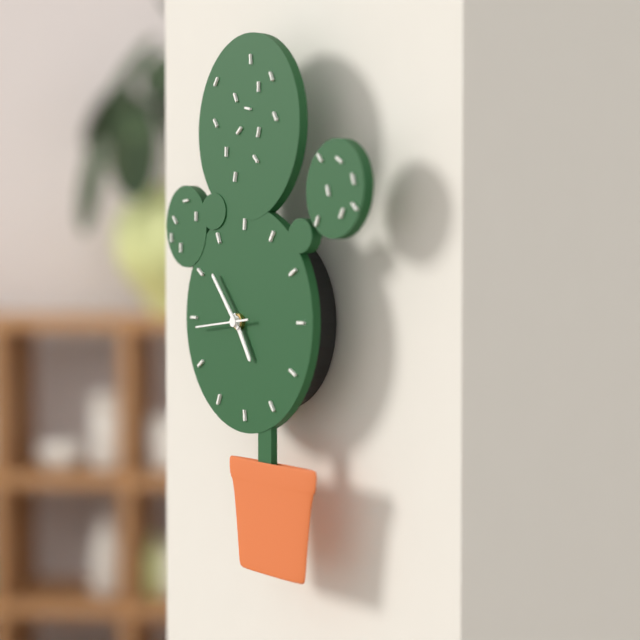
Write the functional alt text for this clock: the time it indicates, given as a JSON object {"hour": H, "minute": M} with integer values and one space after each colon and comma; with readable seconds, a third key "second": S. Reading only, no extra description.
{"hour": 4, "minute": 53, "second": 44}
